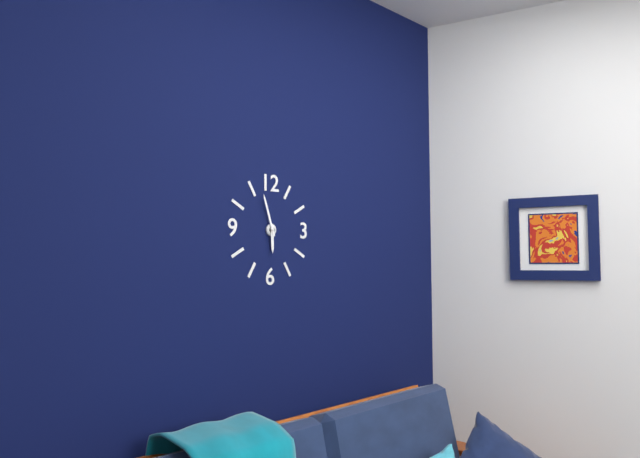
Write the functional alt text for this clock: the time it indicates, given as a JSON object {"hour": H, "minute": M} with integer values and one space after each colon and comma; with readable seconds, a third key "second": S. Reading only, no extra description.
{"hour": 5, "minute": 57}
